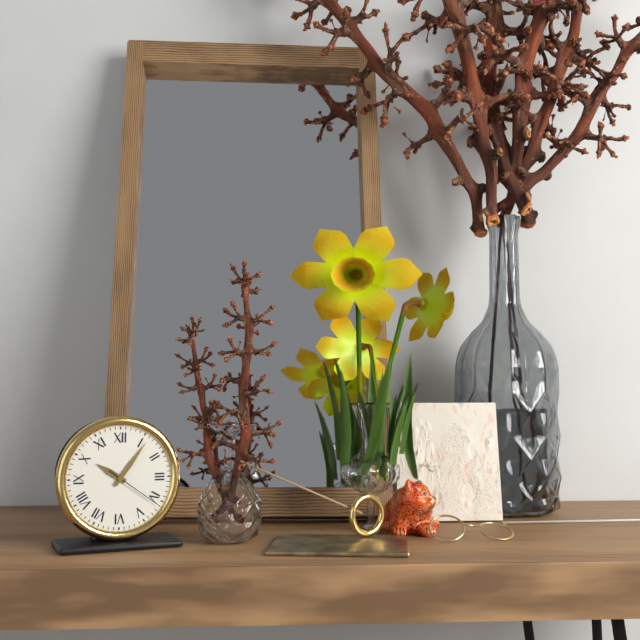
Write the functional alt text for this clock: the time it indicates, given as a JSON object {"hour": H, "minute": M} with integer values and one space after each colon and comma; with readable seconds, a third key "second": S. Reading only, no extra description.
{"hour": 10, "minute": 6, "second": 21}
